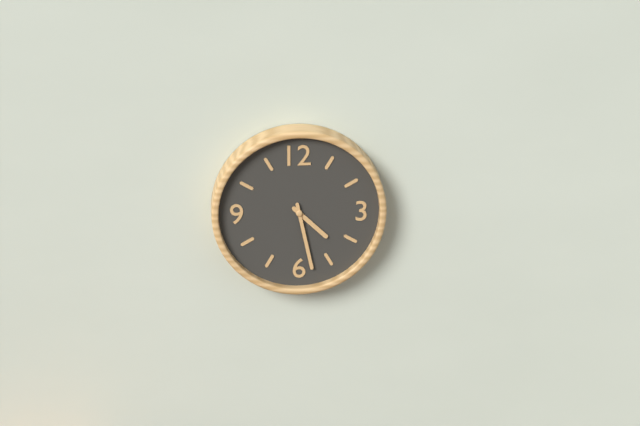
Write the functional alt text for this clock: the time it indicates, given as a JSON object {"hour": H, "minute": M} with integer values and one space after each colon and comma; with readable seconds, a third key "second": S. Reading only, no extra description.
{"hour": 4, "minute": 28}
